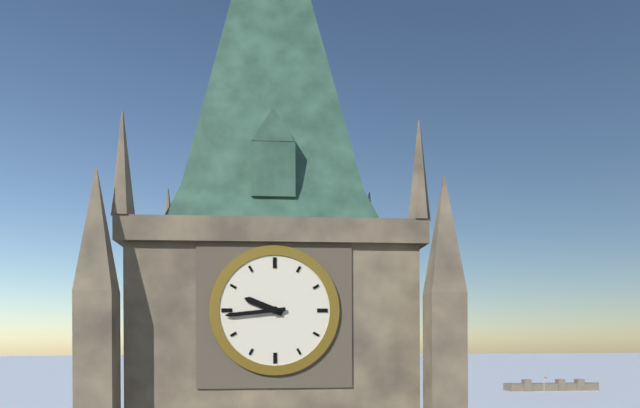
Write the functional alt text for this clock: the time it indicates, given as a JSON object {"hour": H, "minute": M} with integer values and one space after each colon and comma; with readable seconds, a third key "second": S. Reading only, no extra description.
{"hour": 9, "minute": 44}
